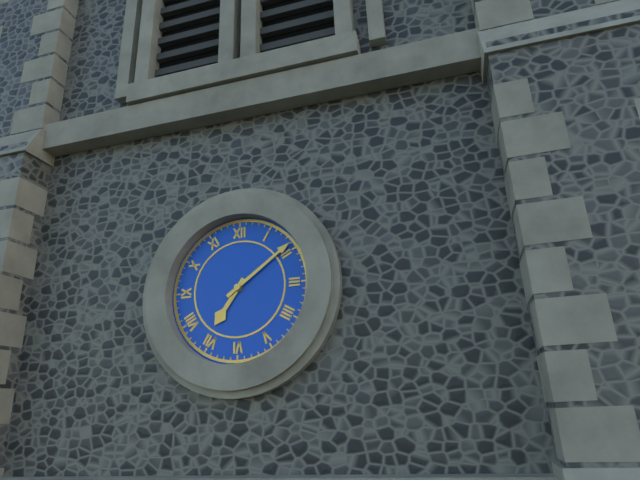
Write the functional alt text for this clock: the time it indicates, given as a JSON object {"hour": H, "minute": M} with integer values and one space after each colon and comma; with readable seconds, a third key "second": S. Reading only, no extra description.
{"hour": 7, "minute": 9}
